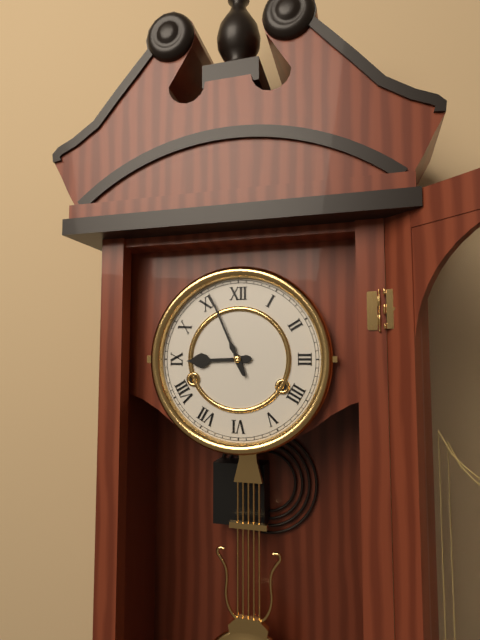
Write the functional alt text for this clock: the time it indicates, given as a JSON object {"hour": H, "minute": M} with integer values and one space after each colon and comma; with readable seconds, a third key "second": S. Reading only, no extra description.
{"hour": 8, "minute": 56}
